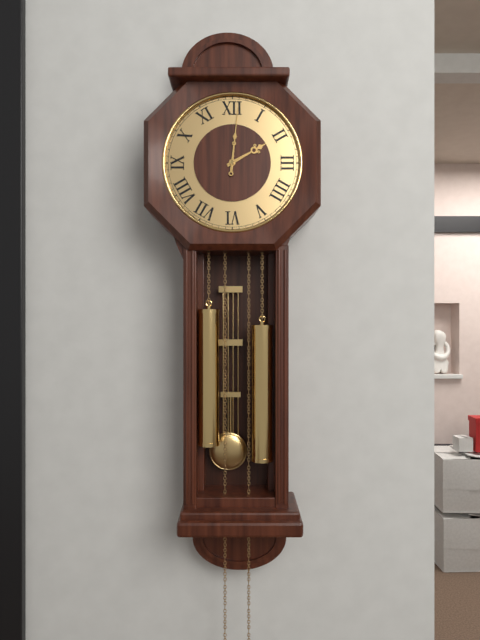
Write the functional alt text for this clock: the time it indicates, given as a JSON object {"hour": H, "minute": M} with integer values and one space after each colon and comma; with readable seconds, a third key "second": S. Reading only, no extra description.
{"hour": 2, "minute": 1}
